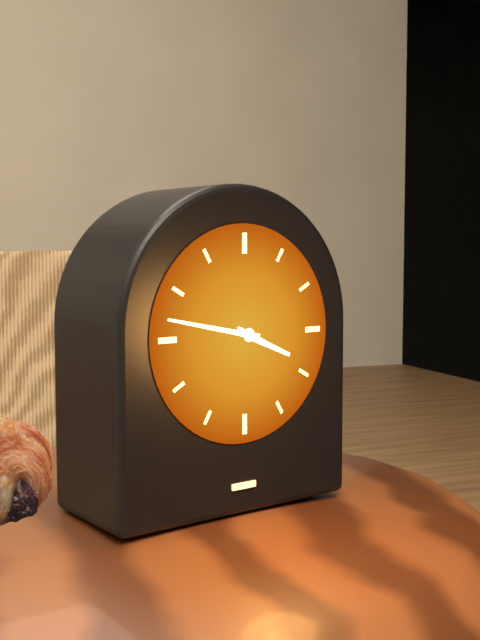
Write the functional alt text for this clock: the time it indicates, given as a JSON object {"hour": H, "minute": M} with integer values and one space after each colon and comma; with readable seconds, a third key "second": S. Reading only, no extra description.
{"hour": 3, "minute": 47}
